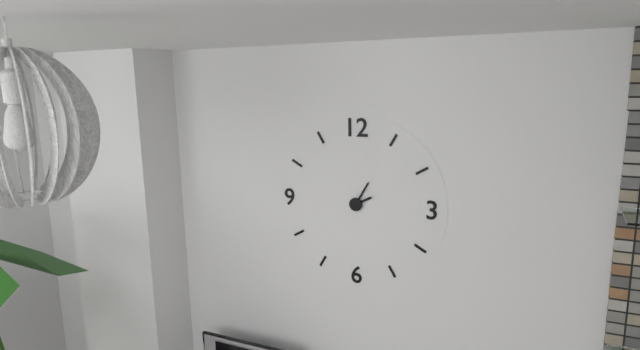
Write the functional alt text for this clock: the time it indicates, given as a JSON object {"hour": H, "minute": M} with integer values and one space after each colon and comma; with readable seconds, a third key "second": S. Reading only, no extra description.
{"hour": 2, "minute": 5}
